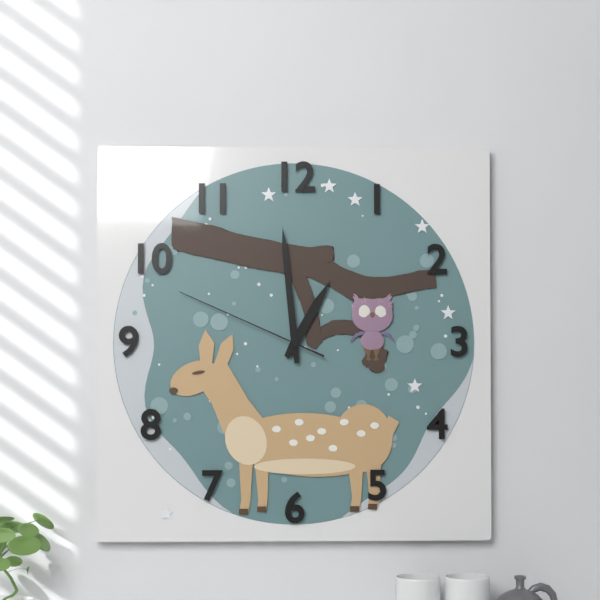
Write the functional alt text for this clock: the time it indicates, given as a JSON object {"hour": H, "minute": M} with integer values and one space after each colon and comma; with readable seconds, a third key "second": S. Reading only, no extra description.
{"hour": 12, "minute": 59, "second": 49}
